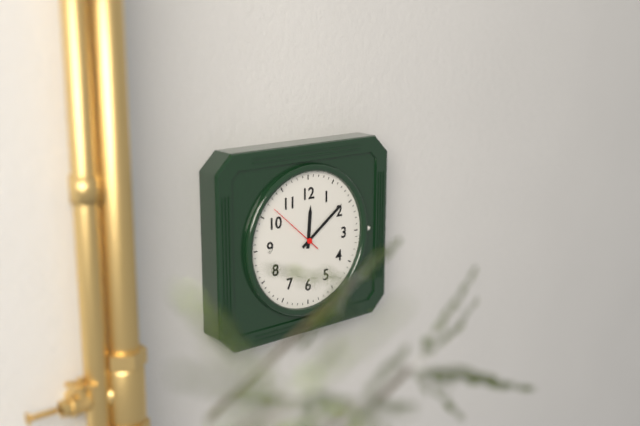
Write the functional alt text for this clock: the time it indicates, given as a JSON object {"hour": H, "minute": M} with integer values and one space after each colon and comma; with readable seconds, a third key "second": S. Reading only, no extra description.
{"hour": 12, "minute": 9, "second": 52}
